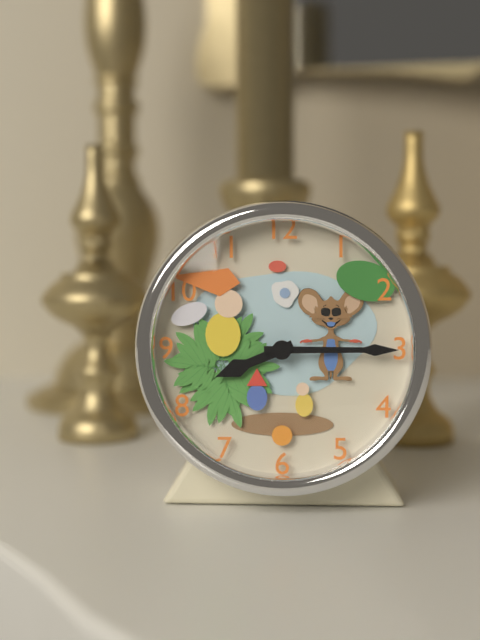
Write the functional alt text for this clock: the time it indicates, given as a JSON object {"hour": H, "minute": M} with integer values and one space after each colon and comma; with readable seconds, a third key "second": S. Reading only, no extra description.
{"hour": 8, "minute": 15}
